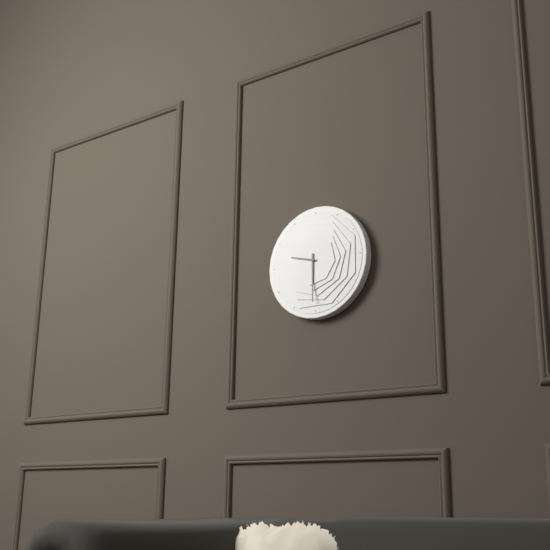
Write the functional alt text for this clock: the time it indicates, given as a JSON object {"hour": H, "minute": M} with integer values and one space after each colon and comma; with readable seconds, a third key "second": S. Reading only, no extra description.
{"hour": 9, "minute": 30}
